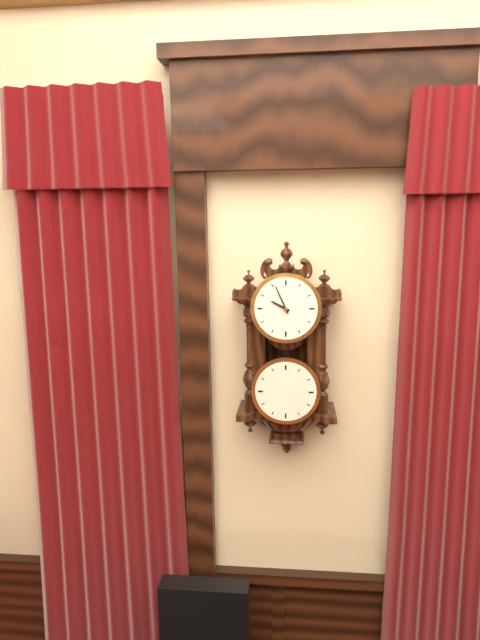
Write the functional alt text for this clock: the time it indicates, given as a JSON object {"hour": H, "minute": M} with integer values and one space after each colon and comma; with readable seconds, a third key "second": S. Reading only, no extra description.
{"hour": 9, "minute": 56}
